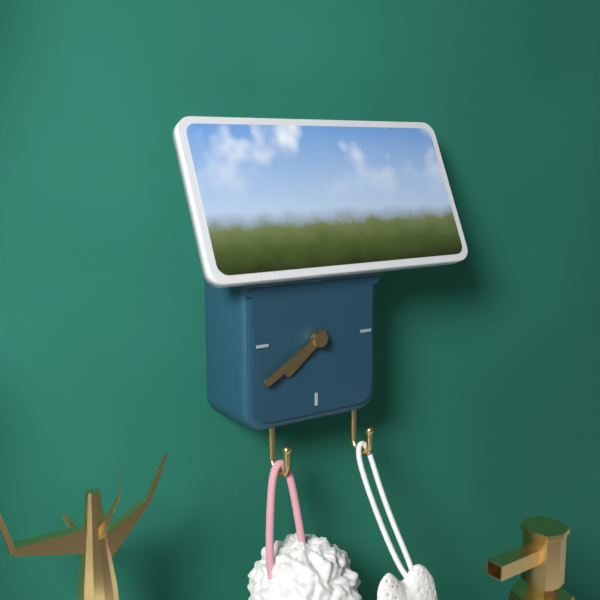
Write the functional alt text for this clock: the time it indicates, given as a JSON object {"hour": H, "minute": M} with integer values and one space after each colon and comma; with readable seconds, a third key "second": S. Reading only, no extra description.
{"hour": 7, "minute": 40}
